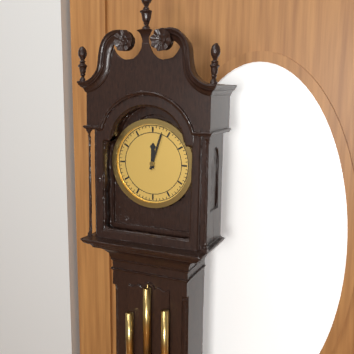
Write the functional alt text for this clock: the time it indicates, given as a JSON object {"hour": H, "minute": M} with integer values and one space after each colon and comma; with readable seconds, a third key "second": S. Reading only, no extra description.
{"hour": 12, "minute": 3}
